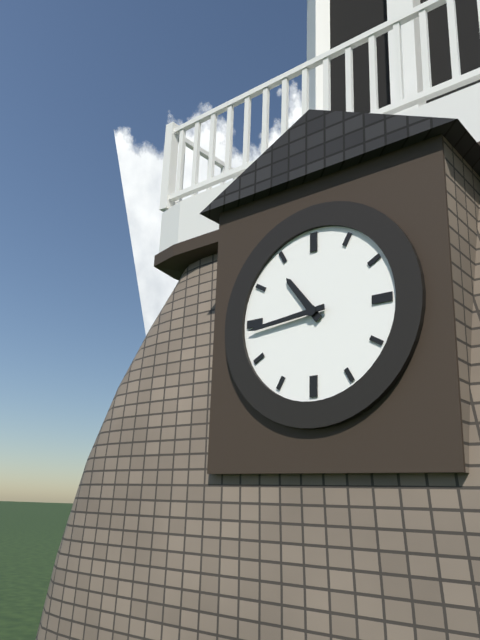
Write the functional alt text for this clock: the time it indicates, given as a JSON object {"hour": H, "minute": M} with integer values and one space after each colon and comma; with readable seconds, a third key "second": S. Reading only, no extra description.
{"hour": 10, "minute": 44}
